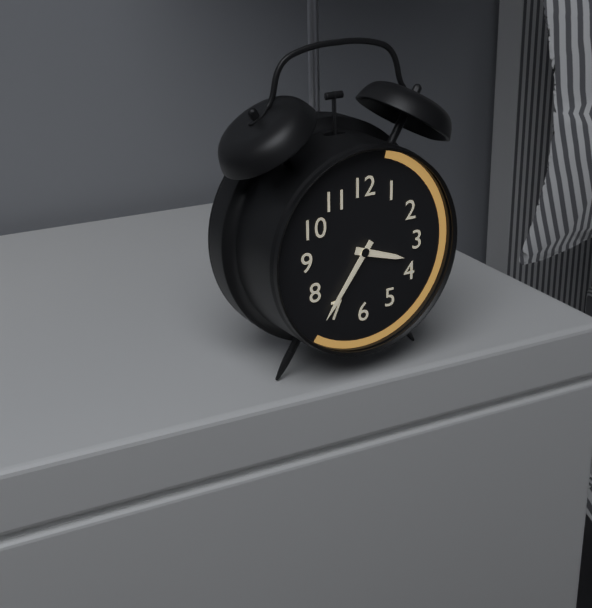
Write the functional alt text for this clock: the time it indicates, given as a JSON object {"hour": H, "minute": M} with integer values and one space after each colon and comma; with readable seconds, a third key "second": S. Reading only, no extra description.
{"hour": 3, "minute": 36}
